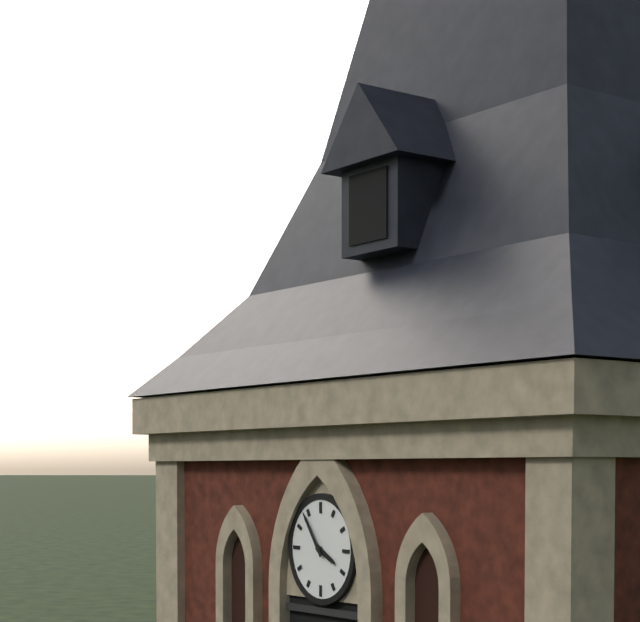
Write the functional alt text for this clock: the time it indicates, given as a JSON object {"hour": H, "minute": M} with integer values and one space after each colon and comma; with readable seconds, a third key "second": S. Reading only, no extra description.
{"hour": 3, "minute": 54}
